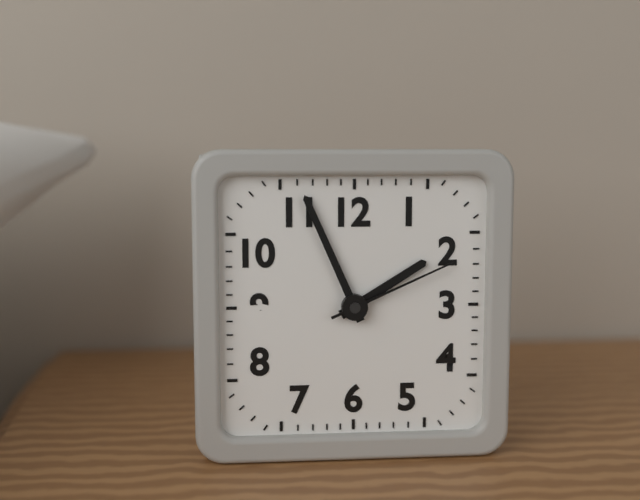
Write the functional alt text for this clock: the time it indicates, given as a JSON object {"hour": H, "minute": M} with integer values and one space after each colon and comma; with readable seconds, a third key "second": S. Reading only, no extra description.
{"hour": 1, "minute": 56, "second": 11}
